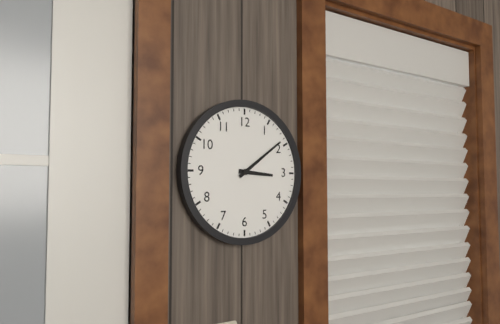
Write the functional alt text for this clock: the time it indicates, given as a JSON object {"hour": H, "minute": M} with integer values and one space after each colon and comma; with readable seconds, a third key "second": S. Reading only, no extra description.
{"hour": 3, "minute": 9}
